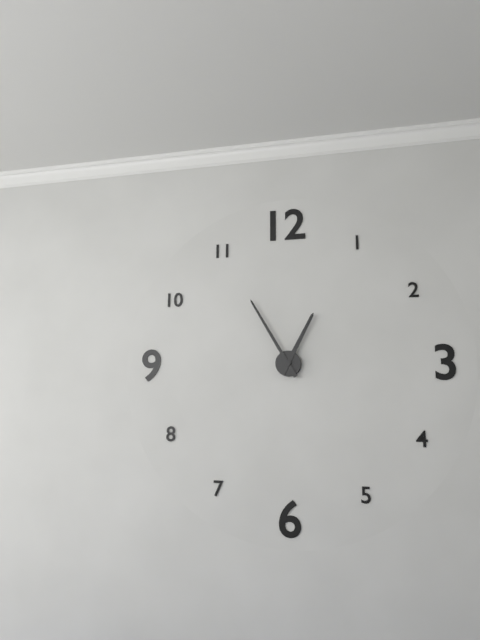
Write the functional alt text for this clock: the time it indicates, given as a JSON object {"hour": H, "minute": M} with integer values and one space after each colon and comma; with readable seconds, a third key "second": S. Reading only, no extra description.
{"hour": 12, "minute": 55}
